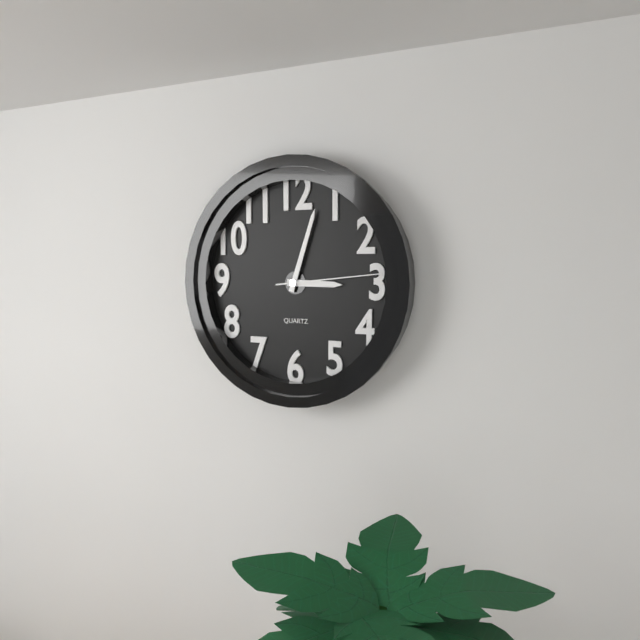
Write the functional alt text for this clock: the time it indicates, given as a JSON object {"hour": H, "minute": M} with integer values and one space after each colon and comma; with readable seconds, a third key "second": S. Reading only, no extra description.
{"hour": 3, "minute": 3, "second": 14}
